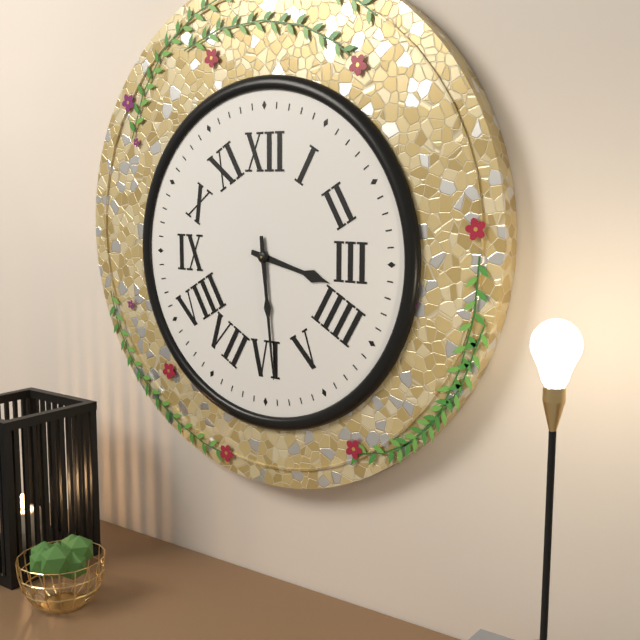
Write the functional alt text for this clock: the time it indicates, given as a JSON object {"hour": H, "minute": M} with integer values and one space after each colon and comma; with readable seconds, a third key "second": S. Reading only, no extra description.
{"hour": 3, "minute": 29}
